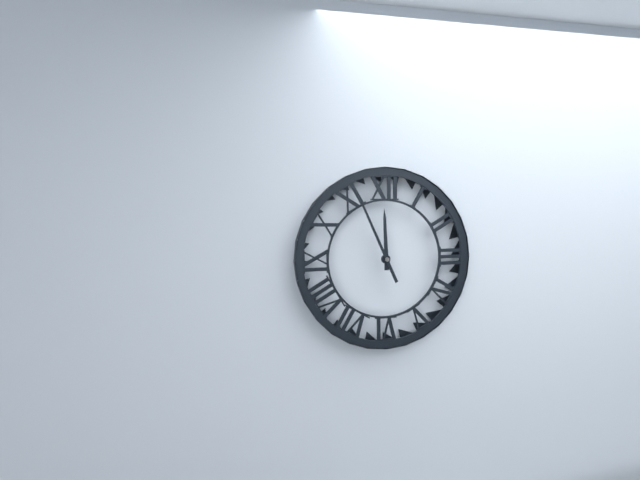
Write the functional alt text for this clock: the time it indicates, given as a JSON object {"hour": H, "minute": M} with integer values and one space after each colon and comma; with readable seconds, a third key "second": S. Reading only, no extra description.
{"hour": 11, "minute": 56}
